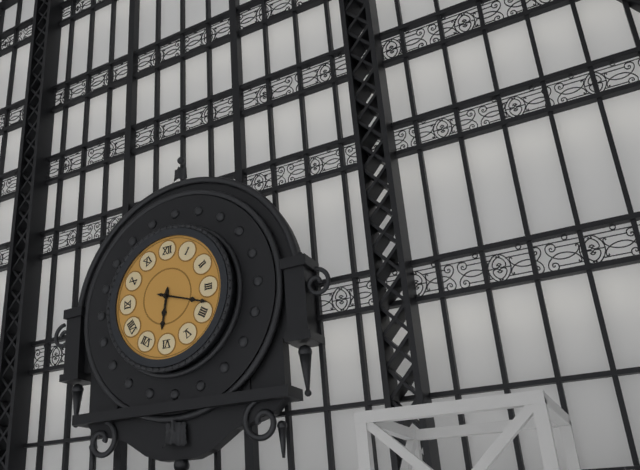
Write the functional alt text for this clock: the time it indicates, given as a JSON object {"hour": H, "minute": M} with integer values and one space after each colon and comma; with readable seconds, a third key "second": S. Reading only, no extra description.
{"hour": 6, "minute": 18}
